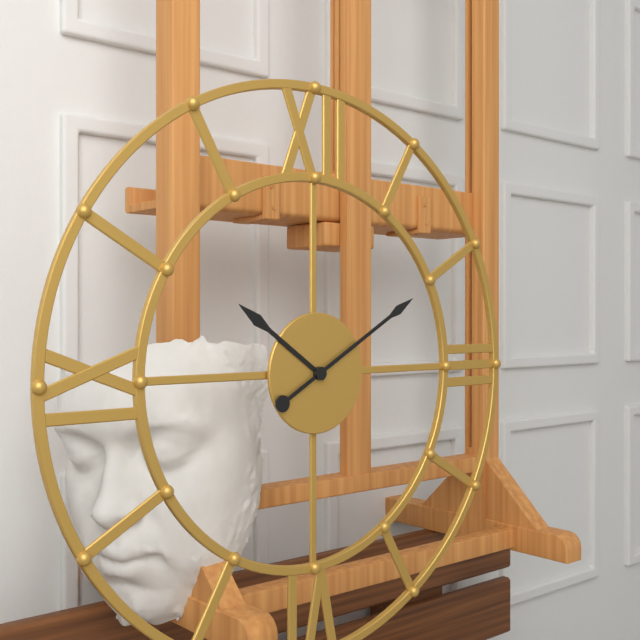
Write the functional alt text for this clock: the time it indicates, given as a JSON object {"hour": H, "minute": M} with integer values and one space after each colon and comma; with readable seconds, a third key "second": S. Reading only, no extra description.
{"hour": 10, "minute": 10}
